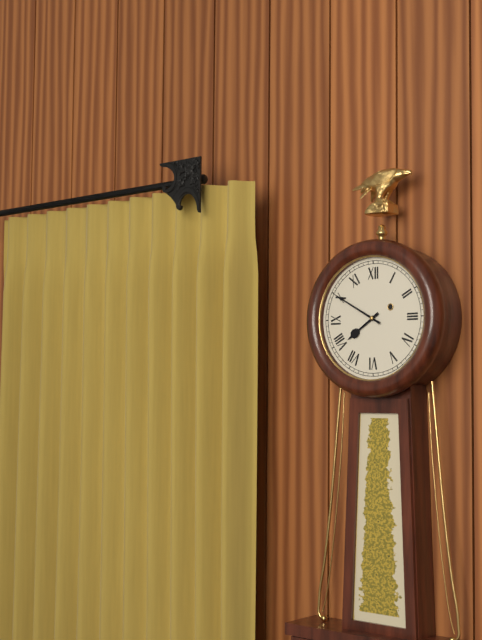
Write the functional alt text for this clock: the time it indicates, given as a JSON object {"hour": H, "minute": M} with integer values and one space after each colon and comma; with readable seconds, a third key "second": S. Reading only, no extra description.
{"hour": 7, "minute": 50}
